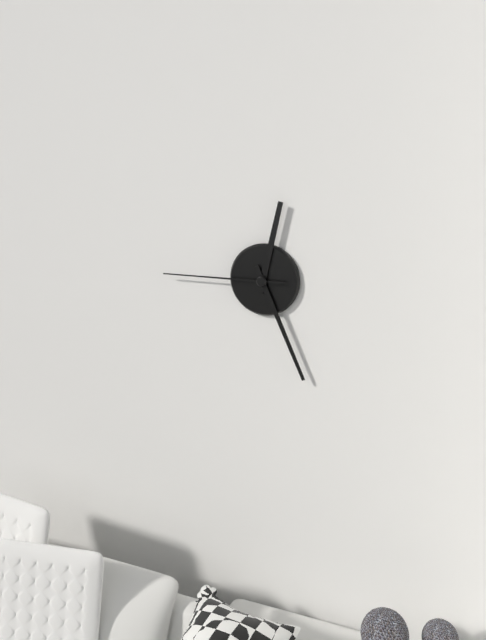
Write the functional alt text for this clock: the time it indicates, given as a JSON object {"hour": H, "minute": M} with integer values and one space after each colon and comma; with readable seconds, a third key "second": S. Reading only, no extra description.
{"hour": 12, "minute": 26, "second": 45}
